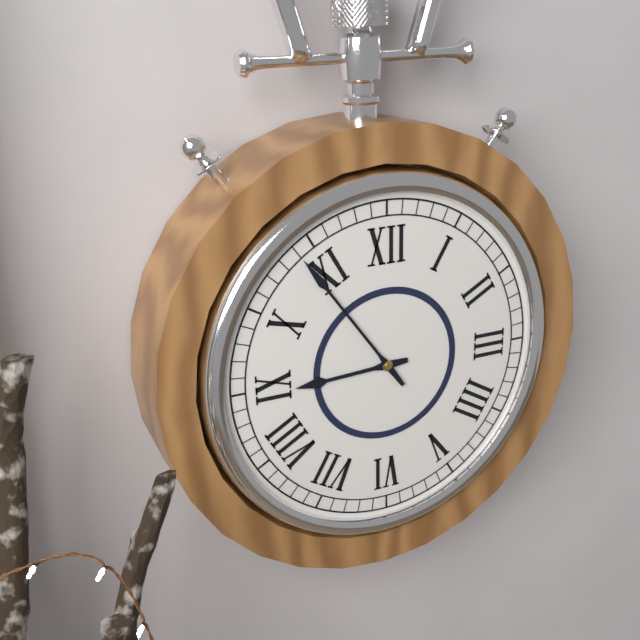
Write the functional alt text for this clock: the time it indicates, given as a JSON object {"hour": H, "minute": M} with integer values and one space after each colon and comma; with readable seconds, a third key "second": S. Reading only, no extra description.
{"hour": 8, "minute": 54}
